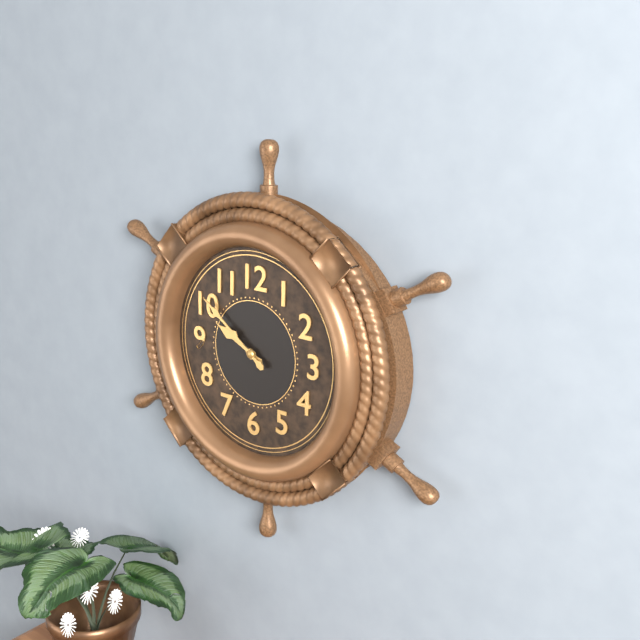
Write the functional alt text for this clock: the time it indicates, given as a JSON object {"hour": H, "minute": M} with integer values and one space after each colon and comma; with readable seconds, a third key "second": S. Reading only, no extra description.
{"hour": 9, "minute": 51}
